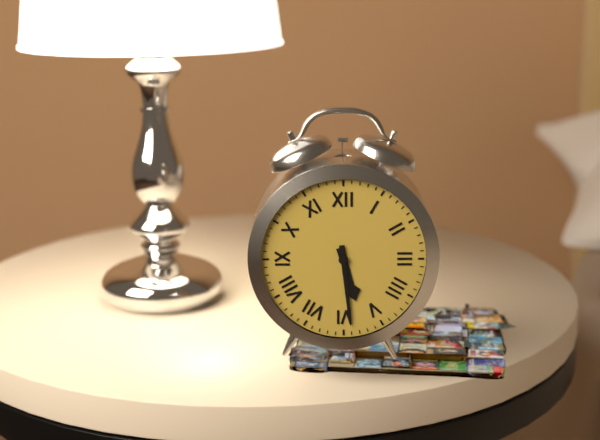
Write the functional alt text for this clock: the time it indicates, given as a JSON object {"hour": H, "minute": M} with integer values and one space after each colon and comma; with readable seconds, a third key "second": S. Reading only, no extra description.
{"hour": 5, "minute": 29}
